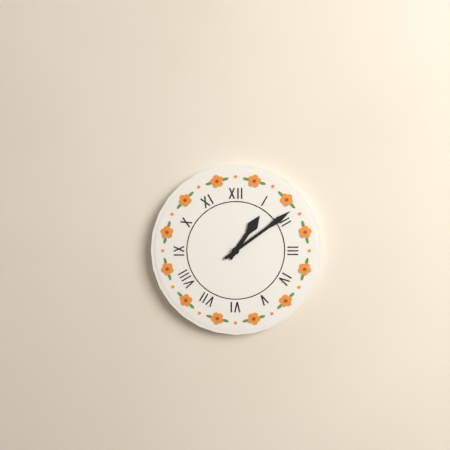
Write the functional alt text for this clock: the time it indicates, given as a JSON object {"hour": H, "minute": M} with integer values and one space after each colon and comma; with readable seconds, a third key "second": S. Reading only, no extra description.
{"hour": 1, "minute": 9}
